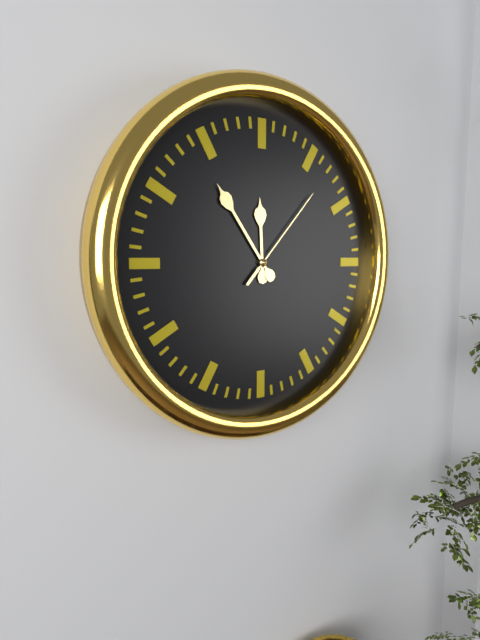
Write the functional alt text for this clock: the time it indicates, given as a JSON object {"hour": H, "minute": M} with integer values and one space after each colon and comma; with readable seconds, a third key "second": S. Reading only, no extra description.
{"hour": 11, "minute": 54, "second": 7}
